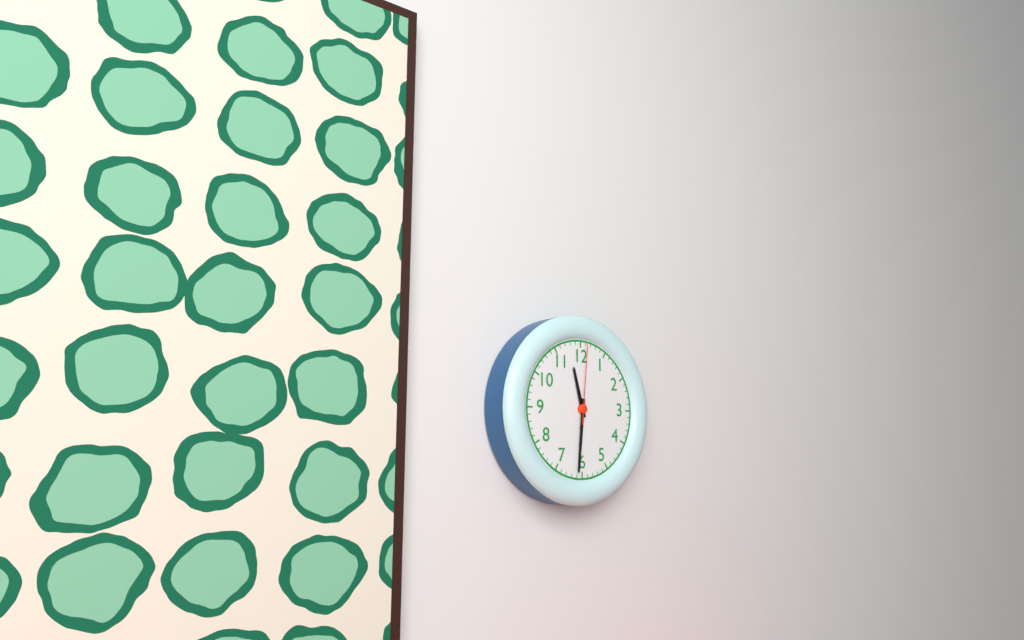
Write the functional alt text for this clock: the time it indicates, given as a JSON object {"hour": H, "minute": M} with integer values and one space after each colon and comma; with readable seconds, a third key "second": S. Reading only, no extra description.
{"hour": 11, "minute": 31, "second": 1}
